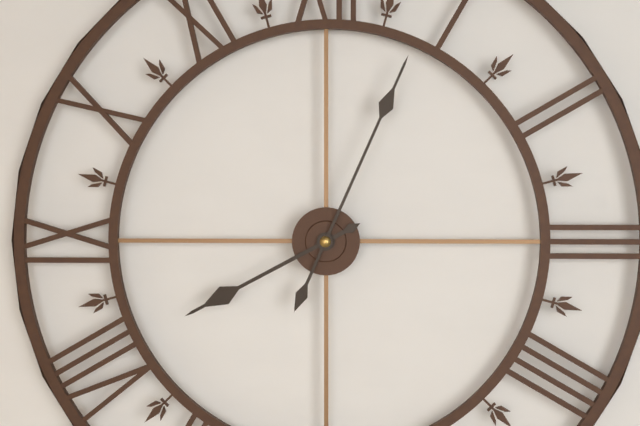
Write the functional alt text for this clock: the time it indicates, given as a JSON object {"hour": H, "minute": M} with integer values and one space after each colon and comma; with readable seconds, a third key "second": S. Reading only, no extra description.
{"hour": 8, "minute": 4}
